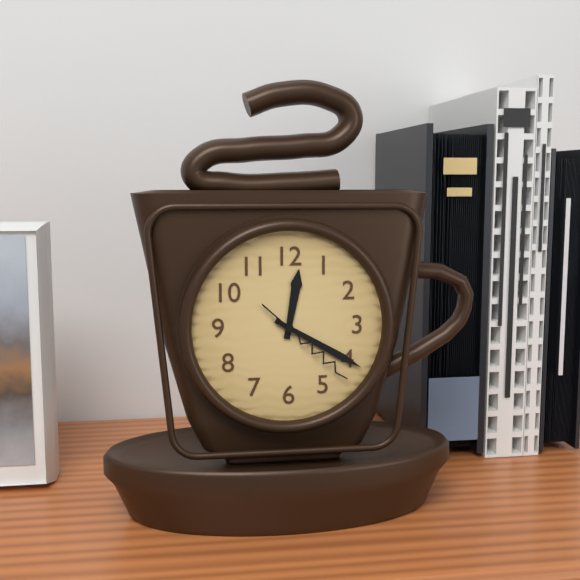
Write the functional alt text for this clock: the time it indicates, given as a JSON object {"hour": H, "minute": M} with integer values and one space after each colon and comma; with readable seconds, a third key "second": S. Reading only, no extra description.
{"hour": 12, "minute": 20, "second": 22}
